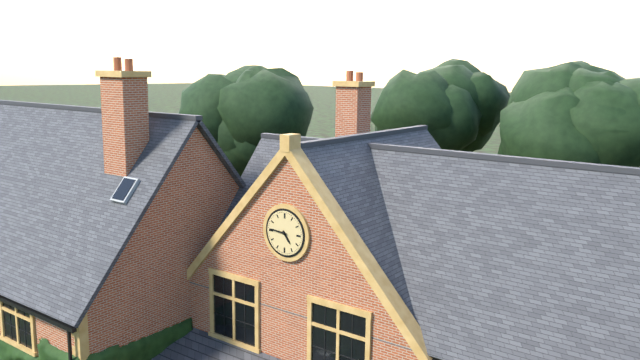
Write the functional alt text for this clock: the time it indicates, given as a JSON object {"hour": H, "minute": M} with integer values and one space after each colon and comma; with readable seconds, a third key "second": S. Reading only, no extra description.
{"hour": 4, "minute": 46}
